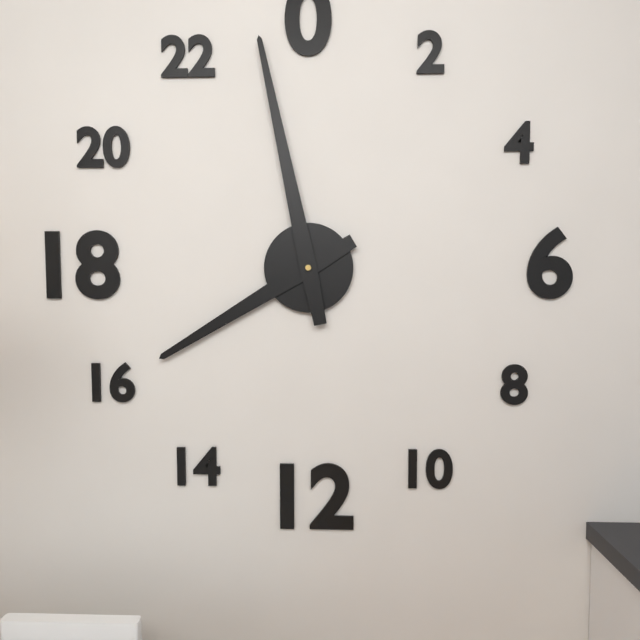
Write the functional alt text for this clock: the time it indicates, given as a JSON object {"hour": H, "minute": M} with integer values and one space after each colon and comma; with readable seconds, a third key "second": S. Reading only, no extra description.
{"hour": 7, "minute": 58}
